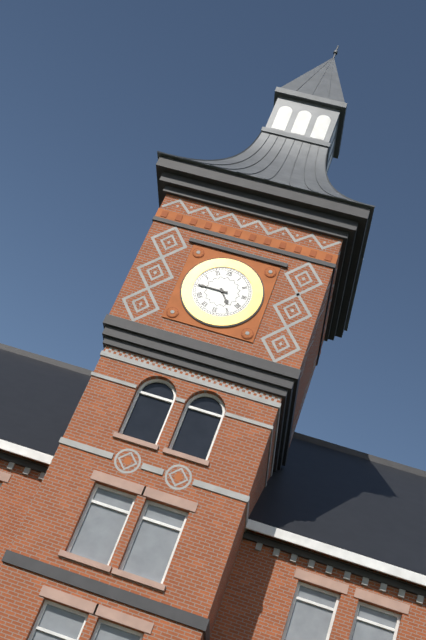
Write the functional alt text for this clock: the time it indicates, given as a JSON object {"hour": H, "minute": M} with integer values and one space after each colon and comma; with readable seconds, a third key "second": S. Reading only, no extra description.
{"hour": 4, "minute": 45}
